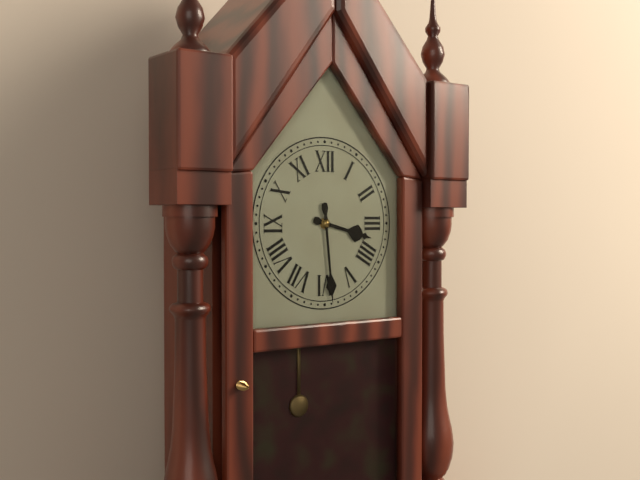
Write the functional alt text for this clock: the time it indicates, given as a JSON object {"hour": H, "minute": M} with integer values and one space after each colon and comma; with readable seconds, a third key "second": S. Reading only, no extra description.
{"hour": 3, "minute": 29}
